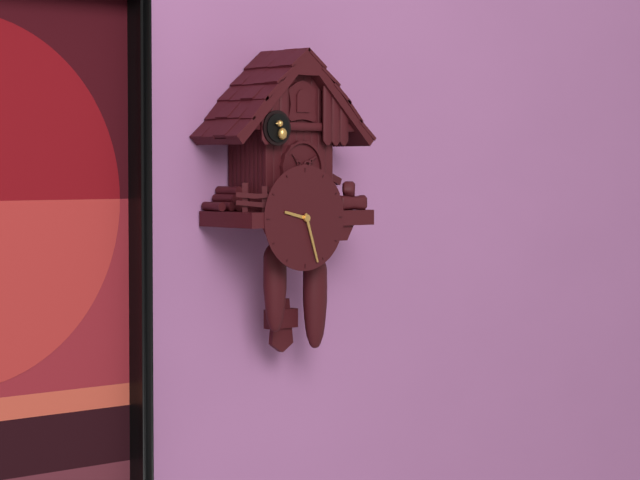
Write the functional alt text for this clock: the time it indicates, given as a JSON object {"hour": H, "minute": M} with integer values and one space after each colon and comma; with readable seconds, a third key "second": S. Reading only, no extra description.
{"hour": 9, "minute": 27}
